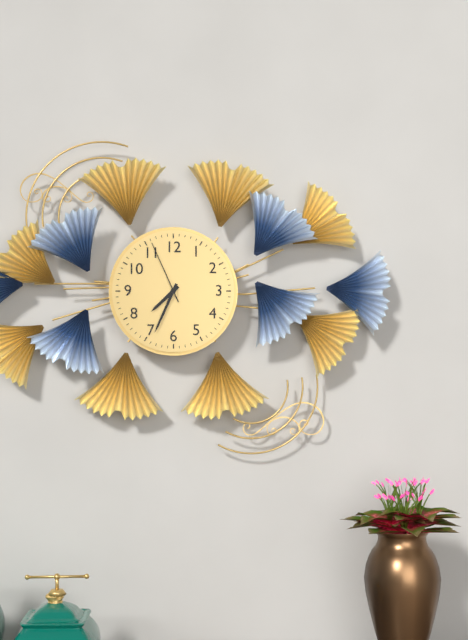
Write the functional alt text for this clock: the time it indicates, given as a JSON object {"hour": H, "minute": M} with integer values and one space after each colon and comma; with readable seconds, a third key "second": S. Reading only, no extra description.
{"hour": 7, "minute": 34, "second": 56}
